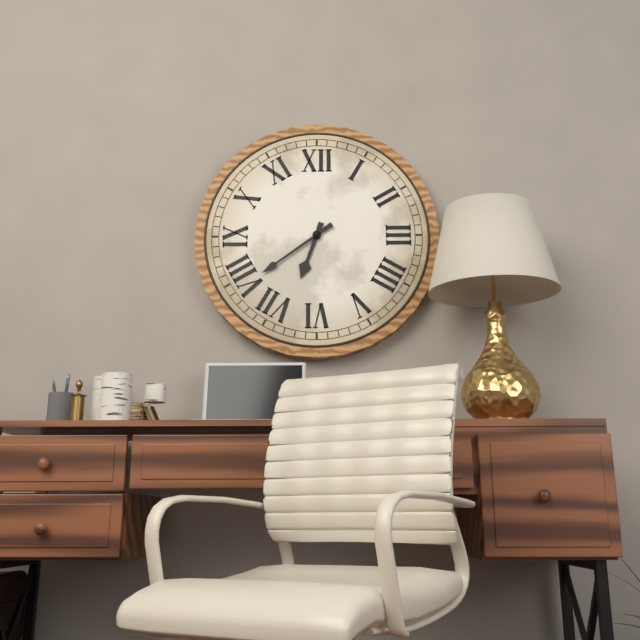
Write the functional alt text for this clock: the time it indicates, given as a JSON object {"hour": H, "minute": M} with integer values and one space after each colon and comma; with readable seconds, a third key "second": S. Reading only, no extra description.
{"hour": 6, "minute": 39}
